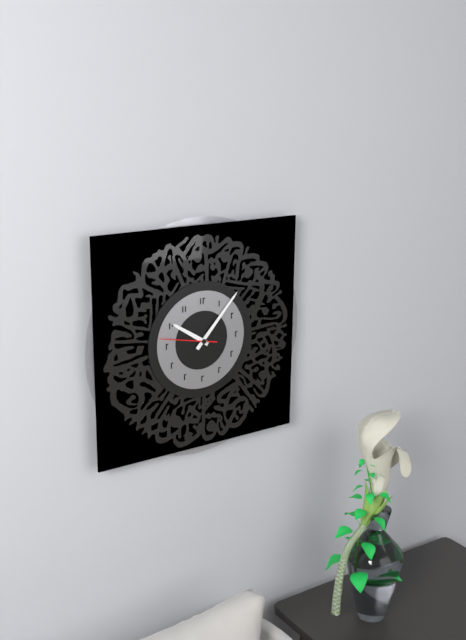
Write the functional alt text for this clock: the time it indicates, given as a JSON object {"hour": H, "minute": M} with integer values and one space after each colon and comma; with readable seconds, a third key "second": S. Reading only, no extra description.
{"hour": 10, "minute": 7, "second": 47}
